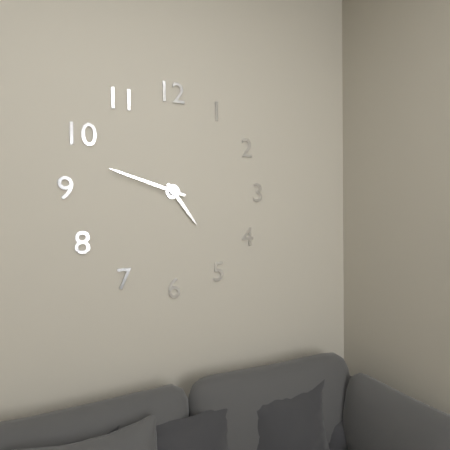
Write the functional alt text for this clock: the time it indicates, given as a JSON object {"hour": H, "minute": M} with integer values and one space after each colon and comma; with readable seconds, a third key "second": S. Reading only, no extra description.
{"hour": 4, "minute": 48}
